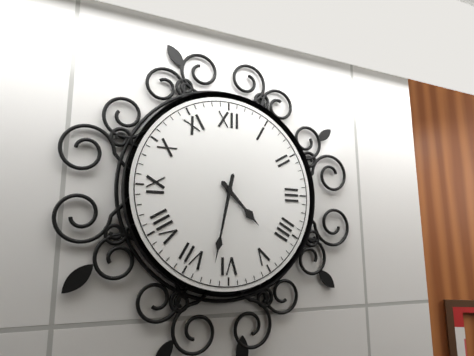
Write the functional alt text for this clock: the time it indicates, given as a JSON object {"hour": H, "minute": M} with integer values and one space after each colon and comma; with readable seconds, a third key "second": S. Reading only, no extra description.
{"hour": 4, "minute": 32}
